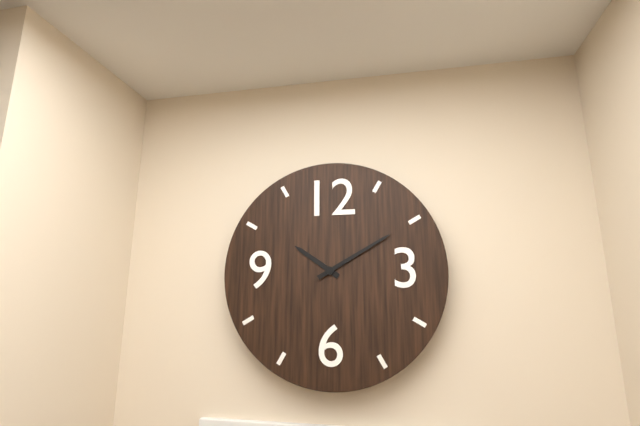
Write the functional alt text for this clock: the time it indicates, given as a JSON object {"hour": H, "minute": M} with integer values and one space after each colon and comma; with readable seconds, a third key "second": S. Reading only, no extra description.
{"hour": 10, "minute": 10}
